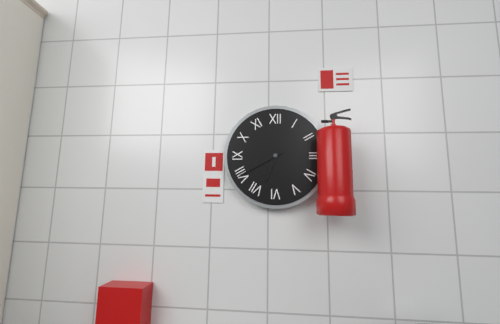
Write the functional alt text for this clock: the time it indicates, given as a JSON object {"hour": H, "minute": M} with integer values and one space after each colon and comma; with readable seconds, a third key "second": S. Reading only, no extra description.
{"hour": 6, "minute": 40}
